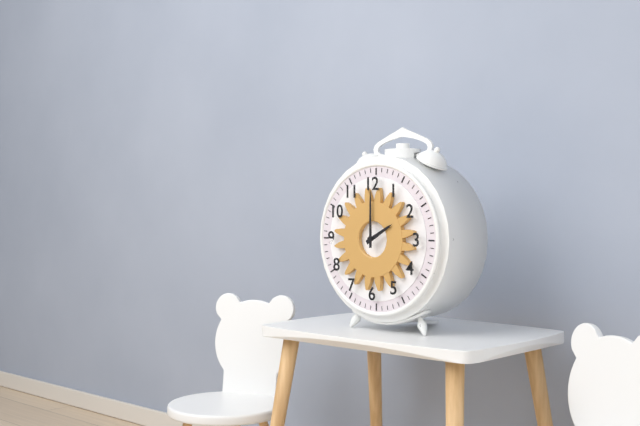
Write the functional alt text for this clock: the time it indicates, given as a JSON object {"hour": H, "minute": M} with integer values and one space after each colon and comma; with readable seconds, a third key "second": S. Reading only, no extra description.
{"hour": 2, "minute": 0}
